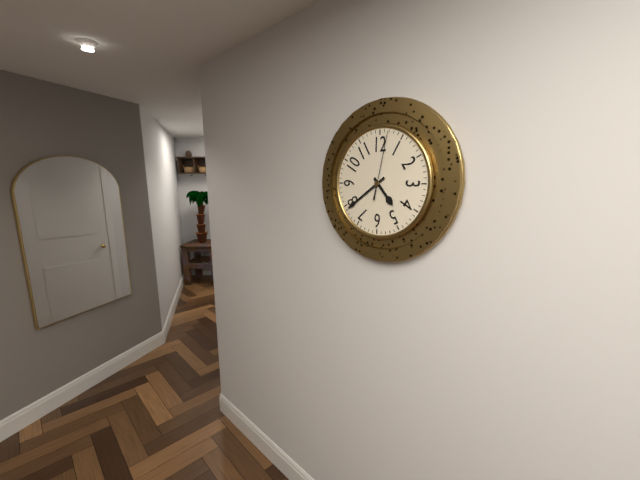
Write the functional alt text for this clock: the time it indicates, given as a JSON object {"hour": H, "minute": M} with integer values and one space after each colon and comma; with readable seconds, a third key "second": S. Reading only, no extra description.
{"hour": 4, "minute": 39, "second": 2}
